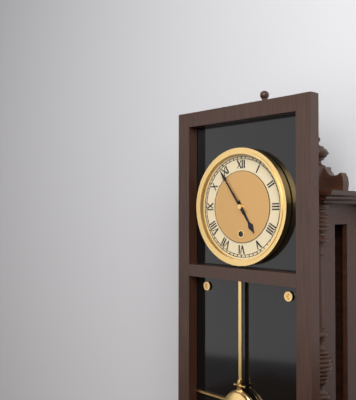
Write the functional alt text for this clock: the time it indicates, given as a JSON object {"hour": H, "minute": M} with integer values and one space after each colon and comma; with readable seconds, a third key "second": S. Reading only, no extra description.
{"hour": 4, "minute": 54}
